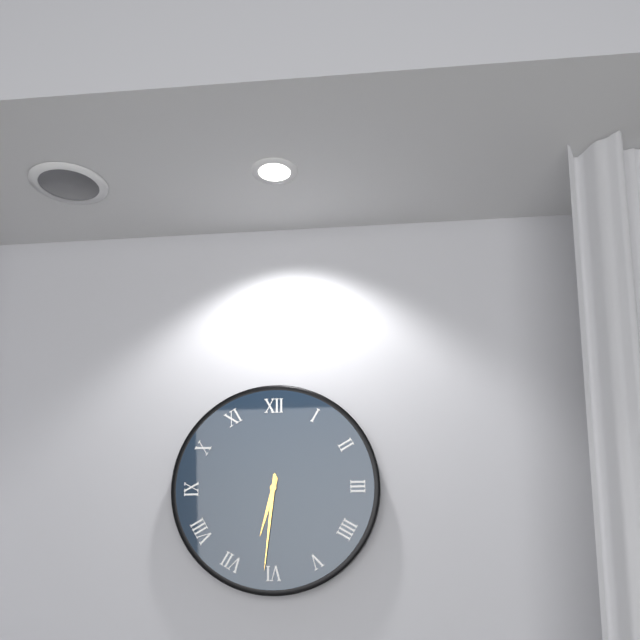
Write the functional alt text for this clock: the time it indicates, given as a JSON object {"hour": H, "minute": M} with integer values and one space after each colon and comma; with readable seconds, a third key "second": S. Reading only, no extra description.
{"hour": 6, "minute": 31}
